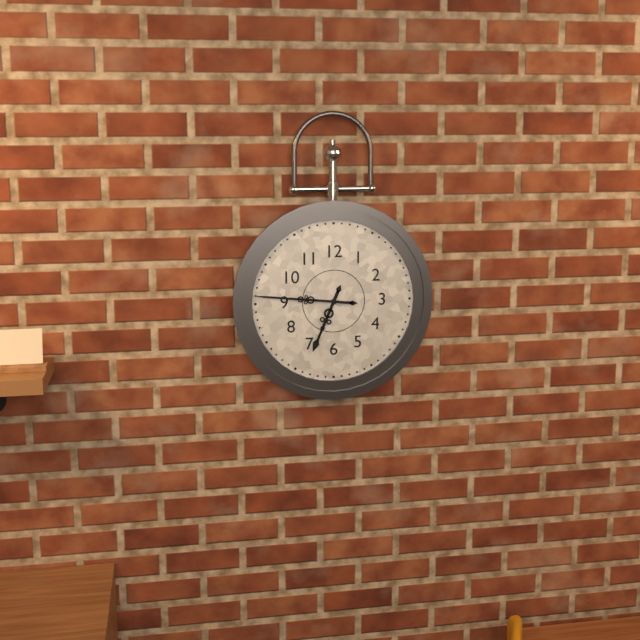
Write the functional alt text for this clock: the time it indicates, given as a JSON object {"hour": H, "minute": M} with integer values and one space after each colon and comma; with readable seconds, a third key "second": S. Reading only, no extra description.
{"hour": 6, "minute": 46}
